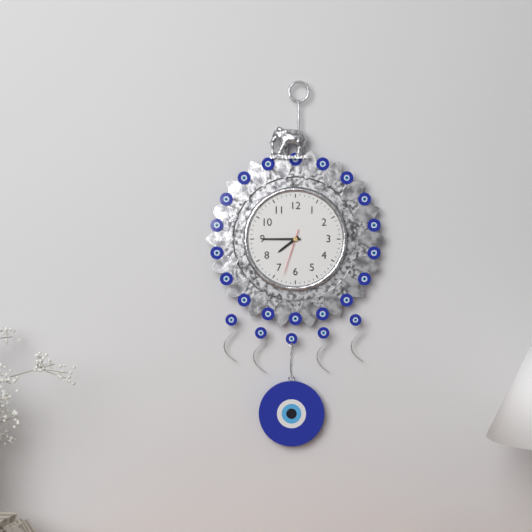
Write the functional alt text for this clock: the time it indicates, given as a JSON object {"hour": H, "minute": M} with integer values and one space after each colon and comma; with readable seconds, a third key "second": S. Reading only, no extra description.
{"hour": 7, "minute": 45}
